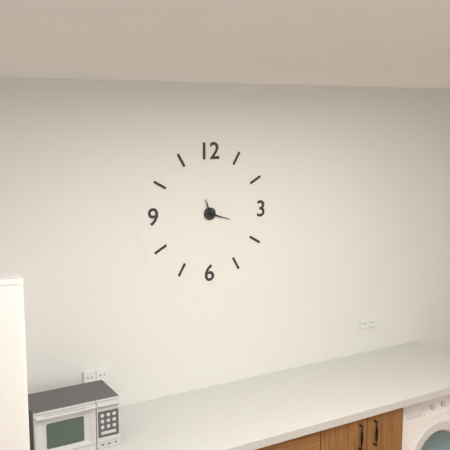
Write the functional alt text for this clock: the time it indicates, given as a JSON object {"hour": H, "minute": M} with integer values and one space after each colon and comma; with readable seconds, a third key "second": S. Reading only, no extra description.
{"hour": 11, "minute": 18}
